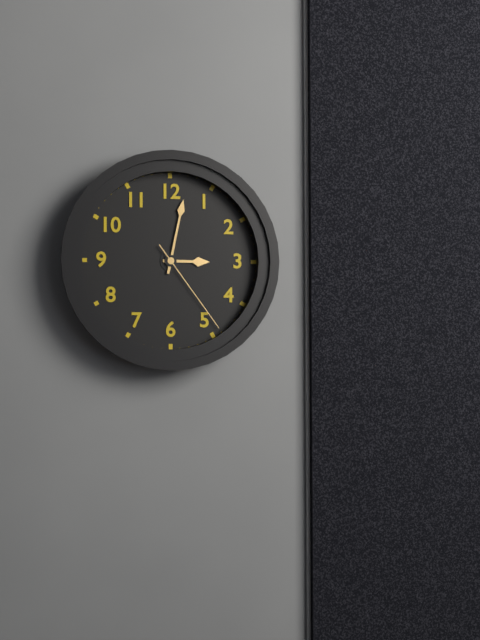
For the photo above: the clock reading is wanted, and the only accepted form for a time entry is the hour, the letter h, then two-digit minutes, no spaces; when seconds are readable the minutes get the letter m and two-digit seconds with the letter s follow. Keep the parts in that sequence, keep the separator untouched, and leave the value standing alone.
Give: 3h02m24s
